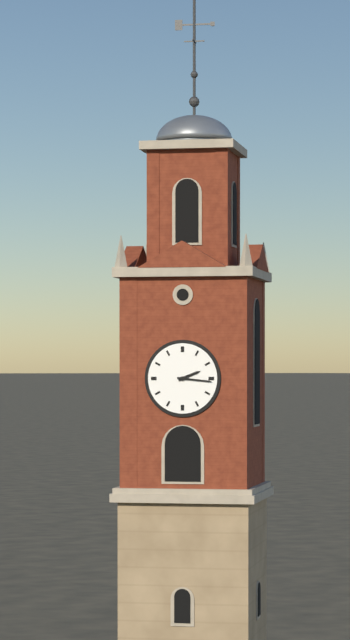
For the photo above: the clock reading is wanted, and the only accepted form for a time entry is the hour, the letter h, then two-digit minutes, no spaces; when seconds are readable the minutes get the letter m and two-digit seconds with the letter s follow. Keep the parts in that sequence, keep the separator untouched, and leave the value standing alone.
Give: 2h16
